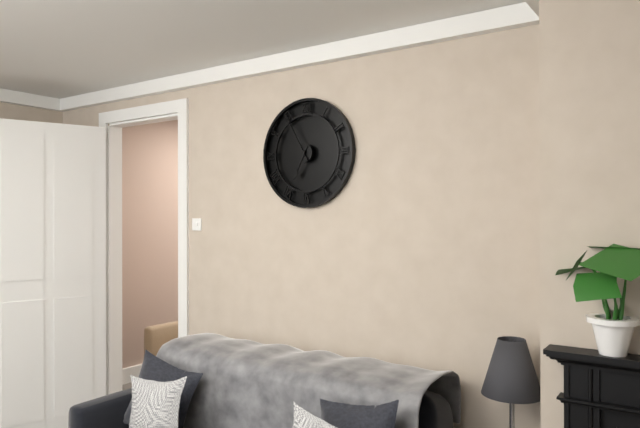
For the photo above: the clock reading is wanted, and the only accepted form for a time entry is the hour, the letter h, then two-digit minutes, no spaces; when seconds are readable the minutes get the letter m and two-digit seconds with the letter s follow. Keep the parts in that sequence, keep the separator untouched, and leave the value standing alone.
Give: 6h55
